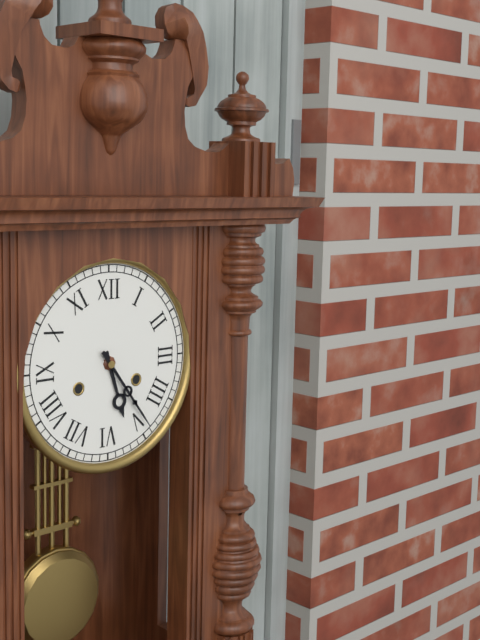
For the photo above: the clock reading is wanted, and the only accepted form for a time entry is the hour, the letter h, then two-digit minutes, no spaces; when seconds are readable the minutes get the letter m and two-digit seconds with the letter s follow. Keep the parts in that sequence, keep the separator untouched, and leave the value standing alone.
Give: 5h24
